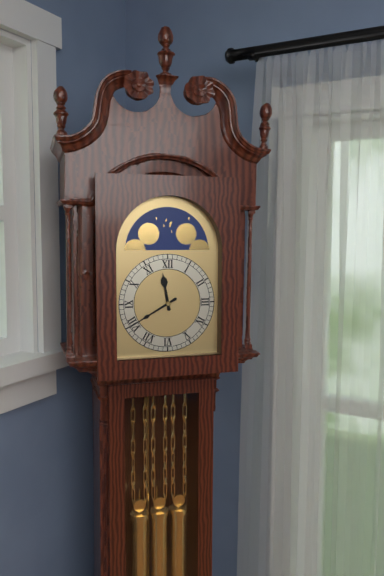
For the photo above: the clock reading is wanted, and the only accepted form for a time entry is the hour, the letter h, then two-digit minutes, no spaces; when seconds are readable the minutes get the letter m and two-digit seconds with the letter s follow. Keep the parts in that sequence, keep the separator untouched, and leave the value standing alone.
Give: 11h40
